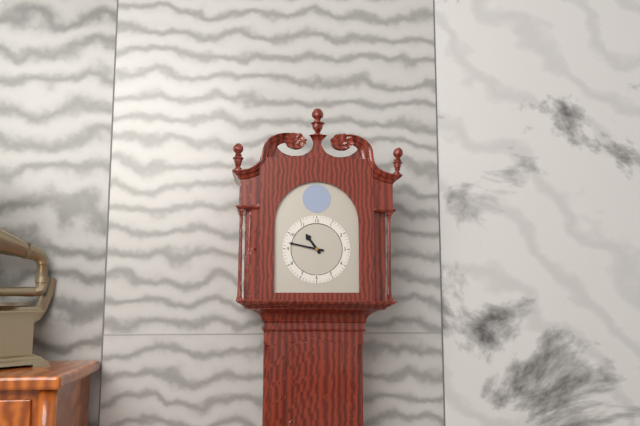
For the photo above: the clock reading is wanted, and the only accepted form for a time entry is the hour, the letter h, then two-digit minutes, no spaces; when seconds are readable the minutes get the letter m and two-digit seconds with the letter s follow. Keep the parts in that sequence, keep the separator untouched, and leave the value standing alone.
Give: 10h47
